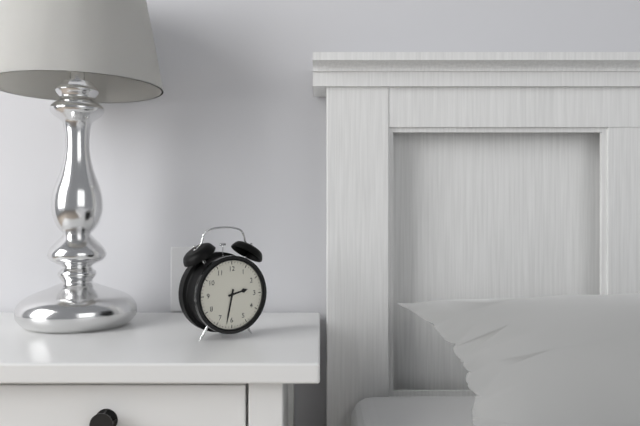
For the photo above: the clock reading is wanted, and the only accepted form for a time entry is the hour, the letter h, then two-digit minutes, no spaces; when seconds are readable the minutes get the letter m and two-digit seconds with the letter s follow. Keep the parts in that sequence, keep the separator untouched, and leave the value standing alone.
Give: 2h32
